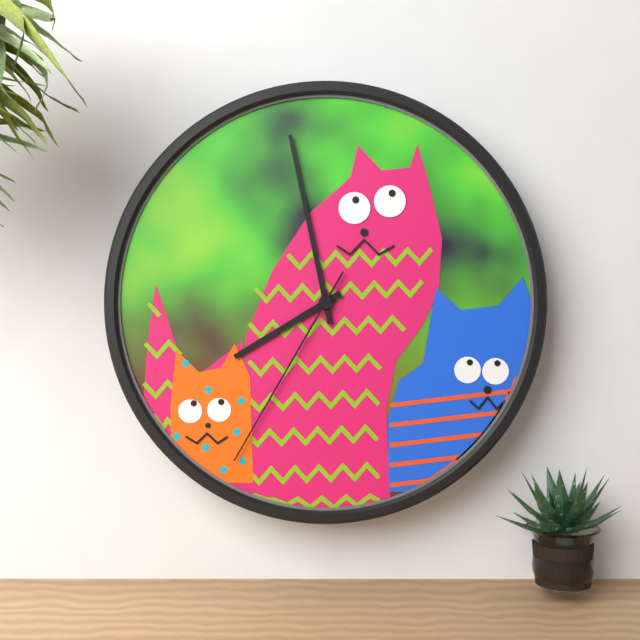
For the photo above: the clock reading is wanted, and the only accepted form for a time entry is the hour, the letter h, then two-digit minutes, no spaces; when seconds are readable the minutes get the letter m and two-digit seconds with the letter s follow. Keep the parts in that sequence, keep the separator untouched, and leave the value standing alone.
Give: 7h58m35s
